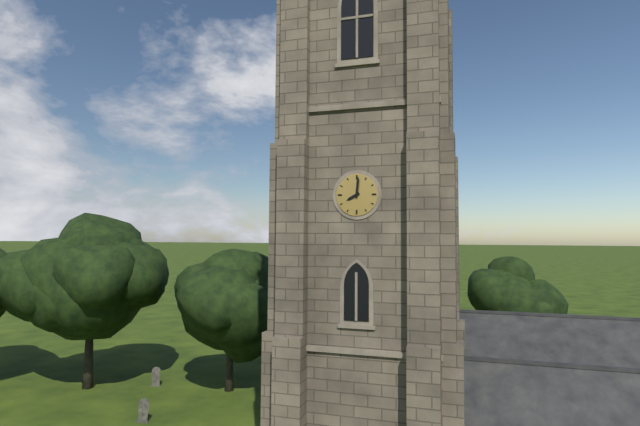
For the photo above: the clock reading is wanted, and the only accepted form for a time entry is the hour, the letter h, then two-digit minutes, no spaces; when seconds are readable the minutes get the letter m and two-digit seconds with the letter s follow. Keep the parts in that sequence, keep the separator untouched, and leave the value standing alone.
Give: 8h01
